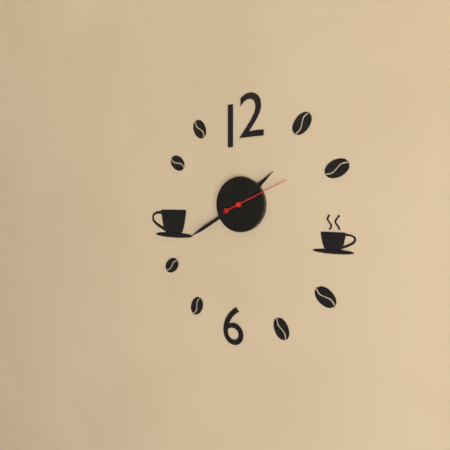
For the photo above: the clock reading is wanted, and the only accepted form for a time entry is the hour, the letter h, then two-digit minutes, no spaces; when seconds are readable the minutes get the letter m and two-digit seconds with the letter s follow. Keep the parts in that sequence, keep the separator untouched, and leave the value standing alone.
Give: 1h40m11s
